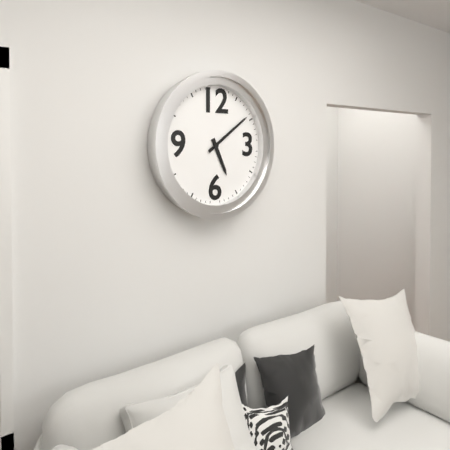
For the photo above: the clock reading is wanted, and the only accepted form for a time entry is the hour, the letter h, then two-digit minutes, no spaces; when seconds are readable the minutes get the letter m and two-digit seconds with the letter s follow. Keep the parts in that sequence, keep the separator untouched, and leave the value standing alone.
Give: 5h09
